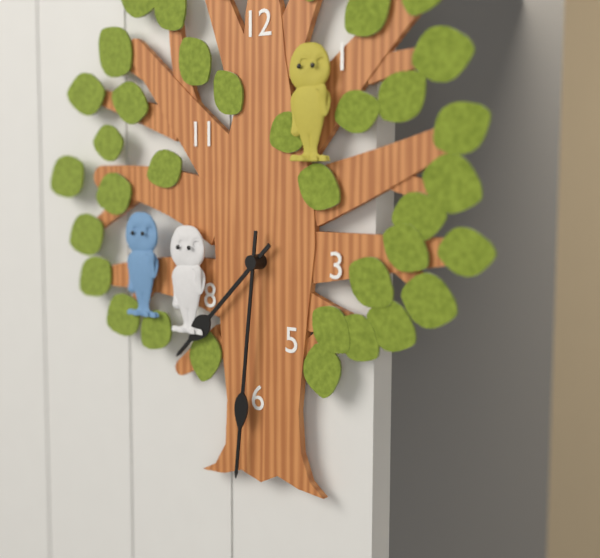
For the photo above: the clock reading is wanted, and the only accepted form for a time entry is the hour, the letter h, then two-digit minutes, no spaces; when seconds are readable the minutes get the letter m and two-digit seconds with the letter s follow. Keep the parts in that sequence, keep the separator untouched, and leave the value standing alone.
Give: 7h31
